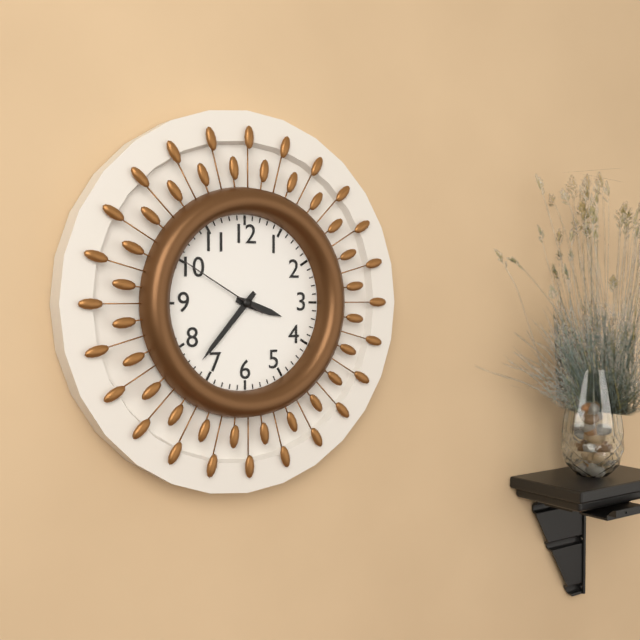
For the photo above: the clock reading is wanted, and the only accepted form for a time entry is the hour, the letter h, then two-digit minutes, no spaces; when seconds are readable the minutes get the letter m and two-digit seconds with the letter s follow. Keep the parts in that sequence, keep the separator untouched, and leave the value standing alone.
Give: 3h37m50s
